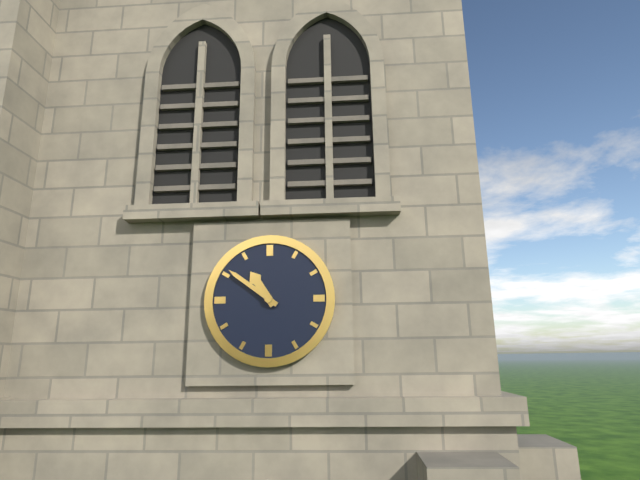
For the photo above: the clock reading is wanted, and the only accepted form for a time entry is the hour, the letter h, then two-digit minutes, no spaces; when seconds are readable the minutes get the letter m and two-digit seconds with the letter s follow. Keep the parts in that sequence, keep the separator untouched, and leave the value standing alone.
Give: 10h51
